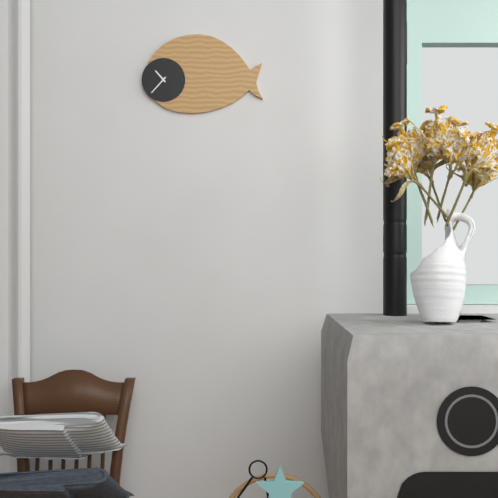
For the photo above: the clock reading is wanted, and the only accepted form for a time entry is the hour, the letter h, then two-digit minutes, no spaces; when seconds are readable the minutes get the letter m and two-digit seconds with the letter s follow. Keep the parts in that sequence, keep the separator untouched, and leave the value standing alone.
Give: 10h37
